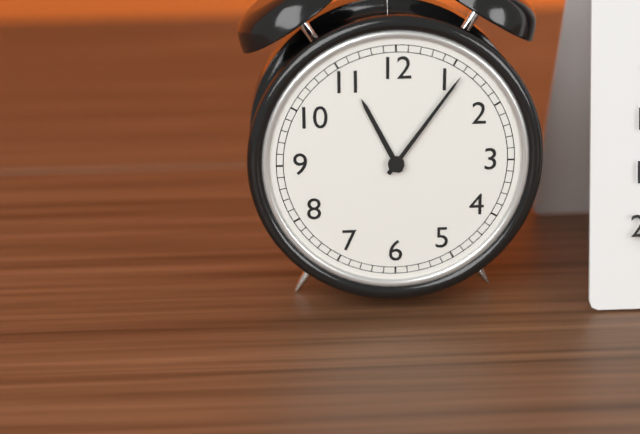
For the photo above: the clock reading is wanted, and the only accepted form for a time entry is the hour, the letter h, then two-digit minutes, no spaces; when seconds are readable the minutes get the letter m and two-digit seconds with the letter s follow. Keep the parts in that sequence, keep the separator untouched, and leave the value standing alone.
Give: 11h06
